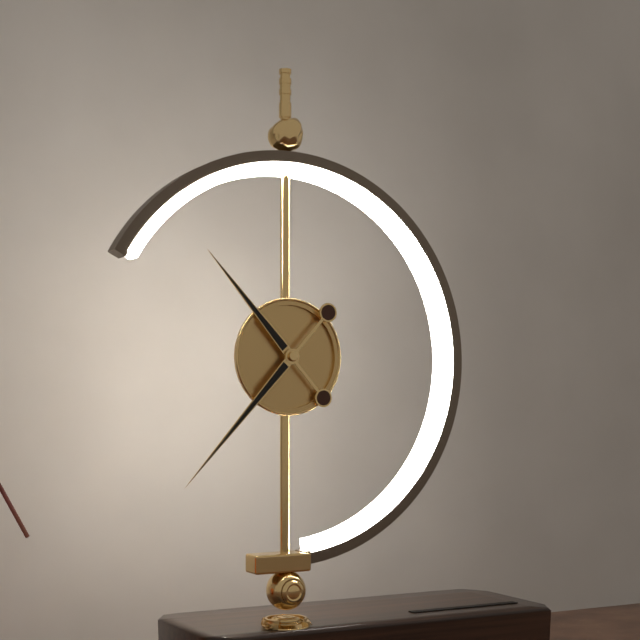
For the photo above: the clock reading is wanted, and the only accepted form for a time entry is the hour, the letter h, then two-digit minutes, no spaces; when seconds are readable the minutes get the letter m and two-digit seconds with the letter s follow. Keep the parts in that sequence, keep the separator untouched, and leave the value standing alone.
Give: 10h37
